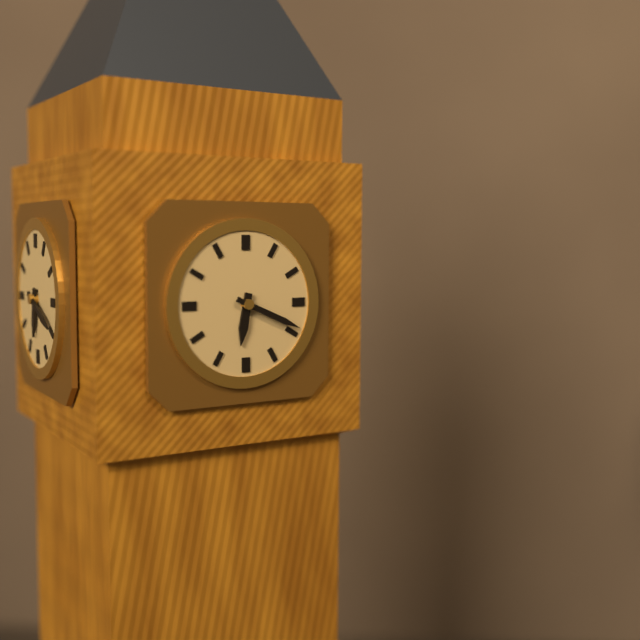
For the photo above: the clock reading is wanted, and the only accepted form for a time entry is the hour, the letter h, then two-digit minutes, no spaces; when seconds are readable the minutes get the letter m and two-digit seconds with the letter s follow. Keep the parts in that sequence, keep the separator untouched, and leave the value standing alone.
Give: 6h19
